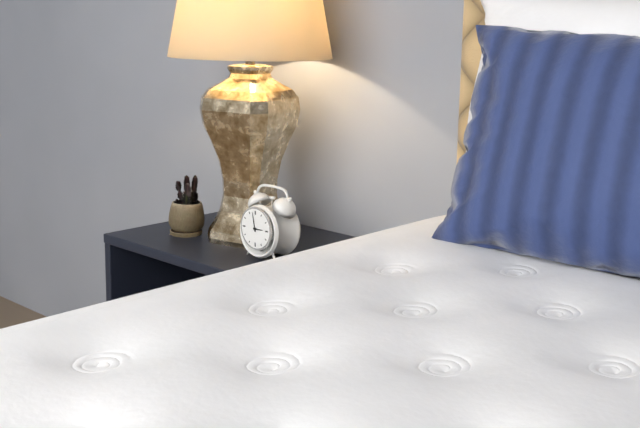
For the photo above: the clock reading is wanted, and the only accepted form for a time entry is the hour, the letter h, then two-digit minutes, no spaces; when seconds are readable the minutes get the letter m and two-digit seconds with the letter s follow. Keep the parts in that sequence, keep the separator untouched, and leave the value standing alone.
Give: 2h58
